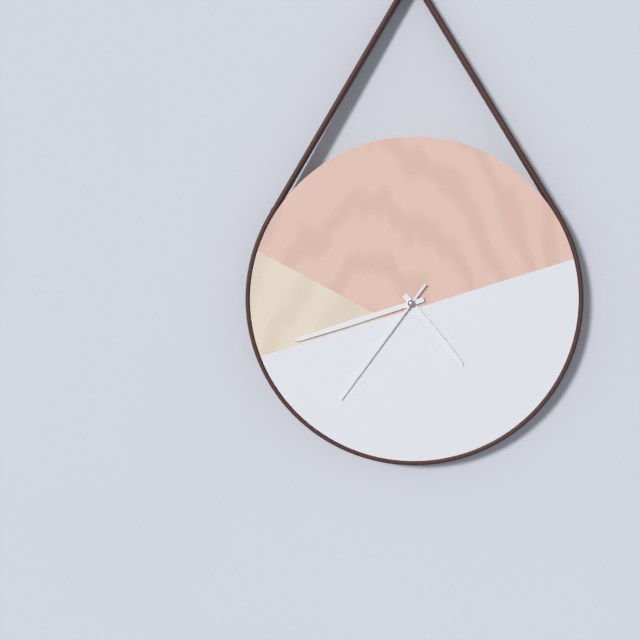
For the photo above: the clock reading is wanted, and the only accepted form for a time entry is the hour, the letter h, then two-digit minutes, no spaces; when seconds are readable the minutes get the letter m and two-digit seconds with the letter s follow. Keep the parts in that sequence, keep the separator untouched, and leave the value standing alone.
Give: 4h42m36s
